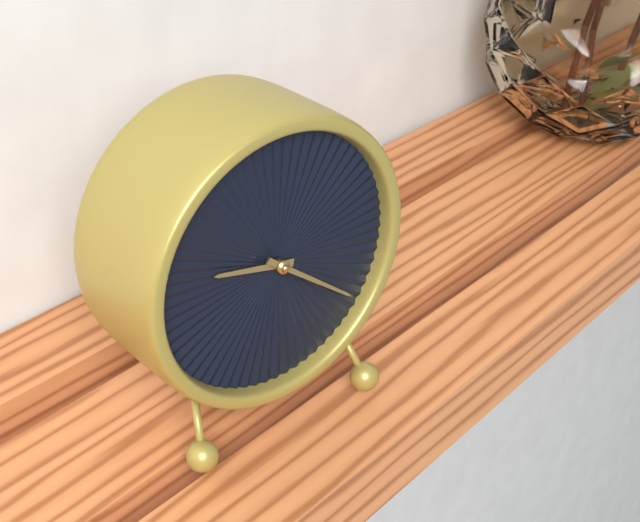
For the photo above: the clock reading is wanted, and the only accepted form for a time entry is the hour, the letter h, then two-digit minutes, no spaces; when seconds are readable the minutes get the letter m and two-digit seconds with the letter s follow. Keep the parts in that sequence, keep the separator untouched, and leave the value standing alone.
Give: 9h21
